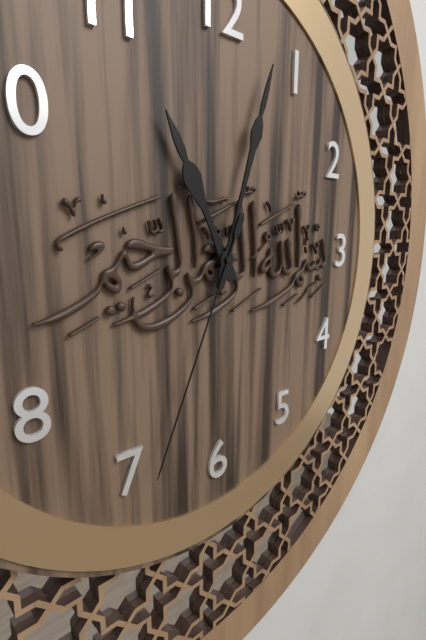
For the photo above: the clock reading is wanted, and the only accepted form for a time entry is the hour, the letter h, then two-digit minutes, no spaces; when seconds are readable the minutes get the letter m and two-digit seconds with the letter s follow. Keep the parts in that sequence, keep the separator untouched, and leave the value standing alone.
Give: 11h03m34s
